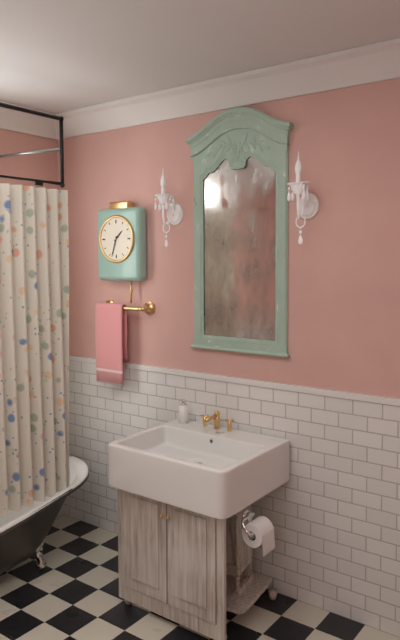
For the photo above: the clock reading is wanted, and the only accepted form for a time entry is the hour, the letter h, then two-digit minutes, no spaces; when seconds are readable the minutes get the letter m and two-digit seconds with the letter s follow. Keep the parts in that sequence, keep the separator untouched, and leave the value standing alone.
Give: 1h33
